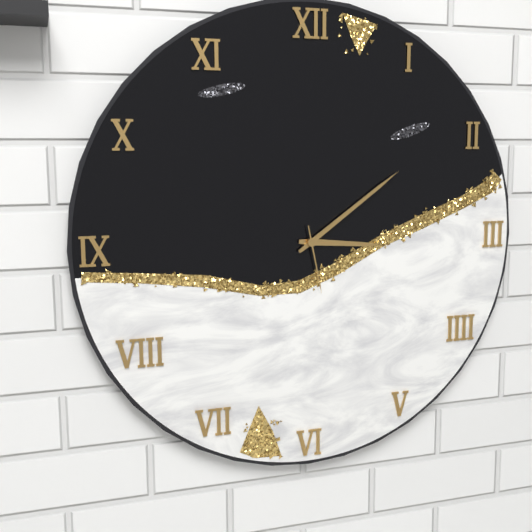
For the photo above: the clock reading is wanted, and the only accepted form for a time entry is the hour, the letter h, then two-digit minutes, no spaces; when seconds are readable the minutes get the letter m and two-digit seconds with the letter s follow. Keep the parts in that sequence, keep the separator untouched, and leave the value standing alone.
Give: 3h09m28s
